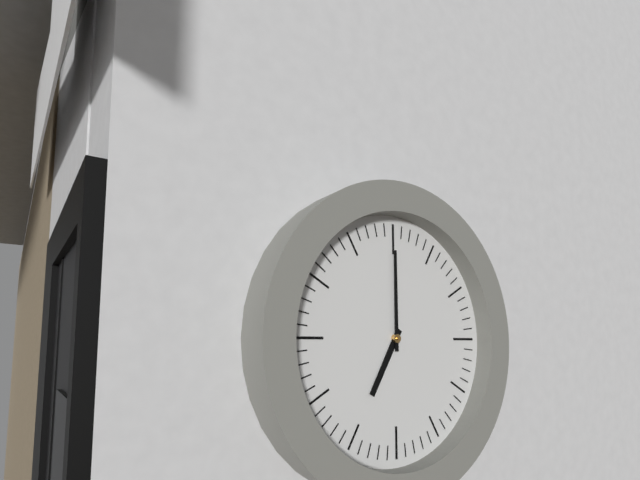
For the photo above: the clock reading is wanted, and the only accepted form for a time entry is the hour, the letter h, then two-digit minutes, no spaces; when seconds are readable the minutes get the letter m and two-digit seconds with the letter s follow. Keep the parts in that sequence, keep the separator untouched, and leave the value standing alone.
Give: 7h00
